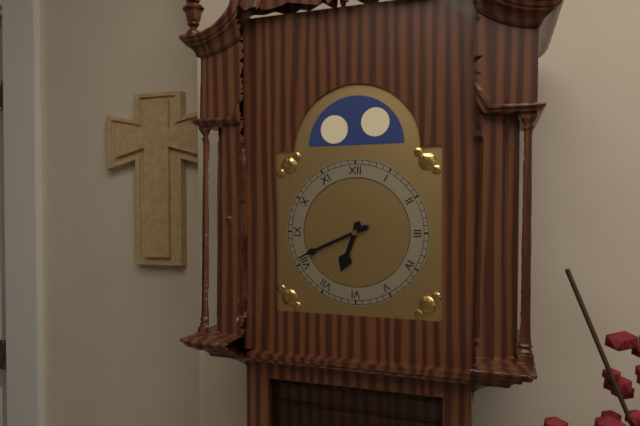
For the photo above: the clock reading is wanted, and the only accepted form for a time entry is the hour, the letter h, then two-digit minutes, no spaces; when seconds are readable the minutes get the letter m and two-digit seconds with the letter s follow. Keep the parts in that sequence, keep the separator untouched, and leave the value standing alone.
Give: 6h41
